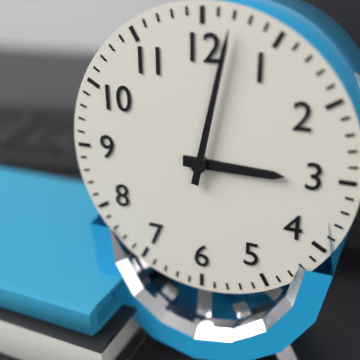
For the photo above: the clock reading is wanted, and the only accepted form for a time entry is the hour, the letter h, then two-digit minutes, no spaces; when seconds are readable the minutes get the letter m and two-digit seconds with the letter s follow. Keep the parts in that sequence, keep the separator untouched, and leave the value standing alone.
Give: 3h02
